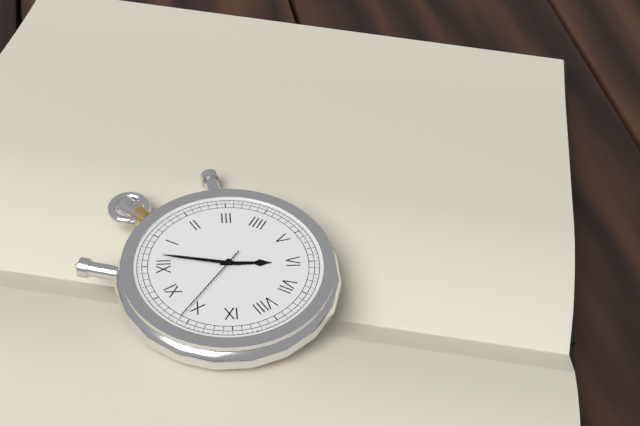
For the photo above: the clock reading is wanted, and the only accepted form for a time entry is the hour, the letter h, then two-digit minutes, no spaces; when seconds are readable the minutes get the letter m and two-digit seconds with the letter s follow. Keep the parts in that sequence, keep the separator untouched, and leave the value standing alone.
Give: 6h02m51s
